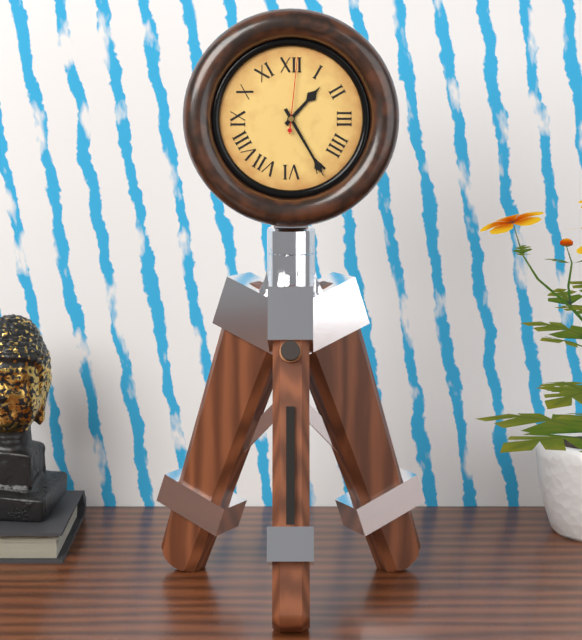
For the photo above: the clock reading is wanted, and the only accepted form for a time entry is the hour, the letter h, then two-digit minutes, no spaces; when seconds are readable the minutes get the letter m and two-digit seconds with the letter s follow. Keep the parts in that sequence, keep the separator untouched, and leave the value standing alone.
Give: 1h25m01s
